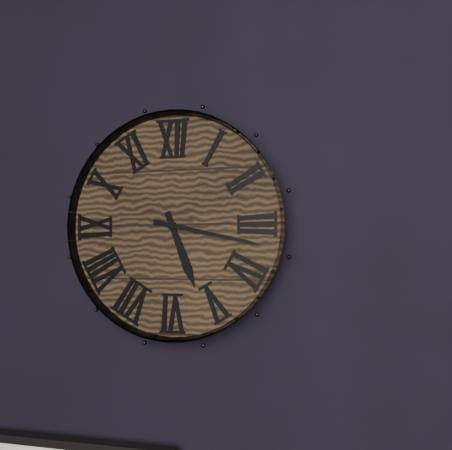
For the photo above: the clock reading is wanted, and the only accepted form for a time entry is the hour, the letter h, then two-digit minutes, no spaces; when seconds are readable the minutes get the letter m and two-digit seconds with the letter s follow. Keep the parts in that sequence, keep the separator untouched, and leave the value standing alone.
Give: 5h17
